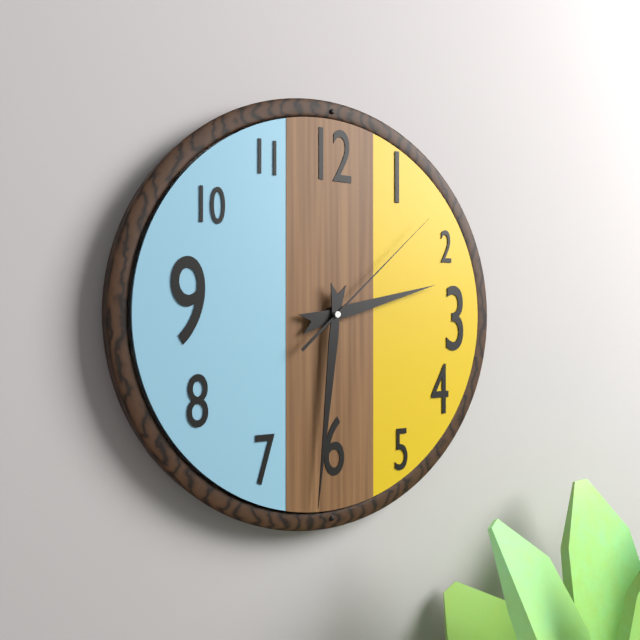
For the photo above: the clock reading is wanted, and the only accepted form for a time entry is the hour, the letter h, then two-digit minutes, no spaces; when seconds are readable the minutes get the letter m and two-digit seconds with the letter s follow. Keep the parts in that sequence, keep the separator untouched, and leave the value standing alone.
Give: 2h31m08s
